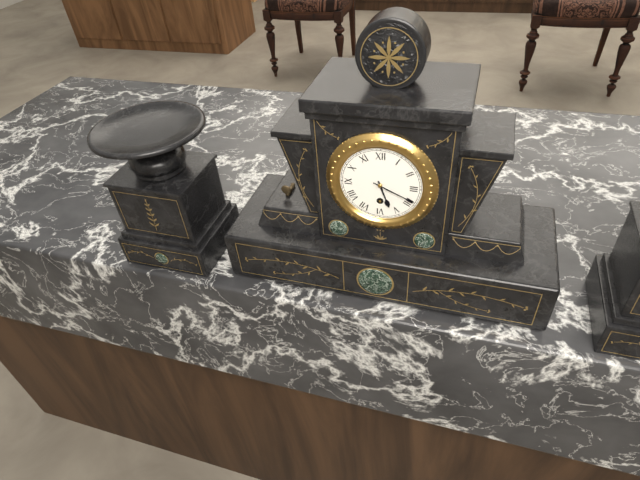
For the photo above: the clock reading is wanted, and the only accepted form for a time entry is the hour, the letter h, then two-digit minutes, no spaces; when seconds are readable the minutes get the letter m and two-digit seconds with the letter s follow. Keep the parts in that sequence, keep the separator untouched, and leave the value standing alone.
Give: 5h19
